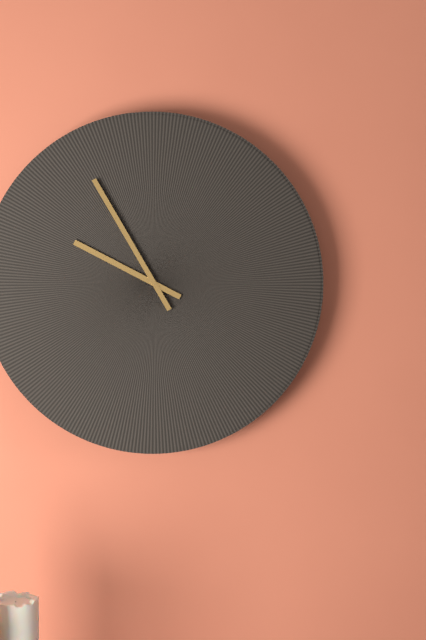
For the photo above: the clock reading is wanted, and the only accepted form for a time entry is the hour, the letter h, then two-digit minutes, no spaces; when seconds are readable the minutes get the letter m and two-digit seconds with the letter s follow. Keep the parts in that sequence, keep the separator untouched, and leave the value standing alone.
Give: 9h55
